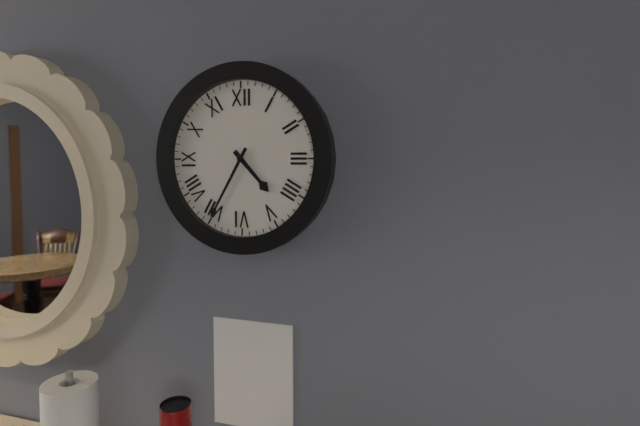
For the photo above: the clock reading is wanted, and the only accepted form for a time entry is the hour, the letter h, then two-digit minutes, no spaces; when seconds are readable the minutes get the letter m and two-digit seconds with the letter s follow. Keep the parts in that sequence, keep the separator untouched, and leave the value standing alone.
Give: 4h35
